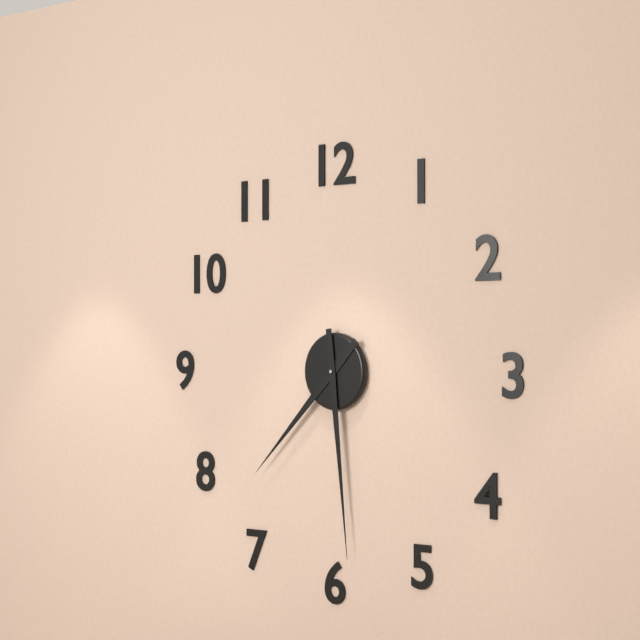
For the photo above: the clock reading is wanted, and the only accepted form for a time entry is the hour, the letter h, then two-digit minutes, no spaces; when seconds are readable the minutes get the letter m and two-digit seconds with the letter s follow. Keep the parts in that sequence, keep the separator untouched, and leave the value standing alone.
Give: 7h29
